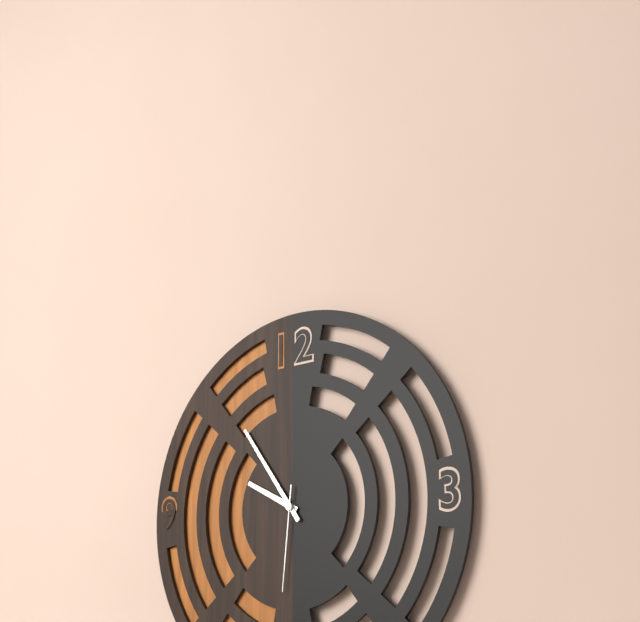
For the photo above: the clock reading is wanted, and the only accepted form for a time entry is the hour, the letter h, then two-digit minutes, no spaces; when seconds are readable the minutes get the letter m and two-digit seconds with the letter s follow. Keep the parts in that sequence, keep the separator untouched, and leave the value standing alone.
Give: 9h54m31s
